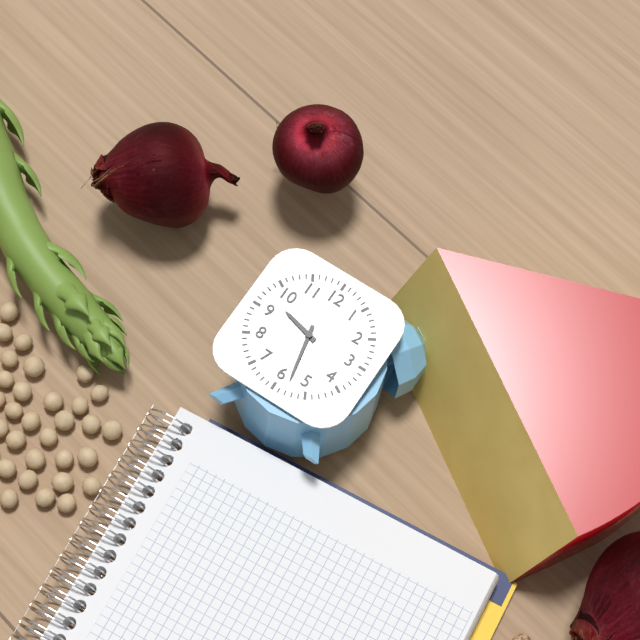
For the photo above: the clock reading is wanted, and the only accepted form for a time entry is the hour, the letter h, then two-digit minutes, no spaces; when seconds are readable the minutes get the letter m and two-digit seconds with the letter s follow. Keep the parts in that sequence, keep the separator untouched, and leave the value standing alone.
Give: 9h28
